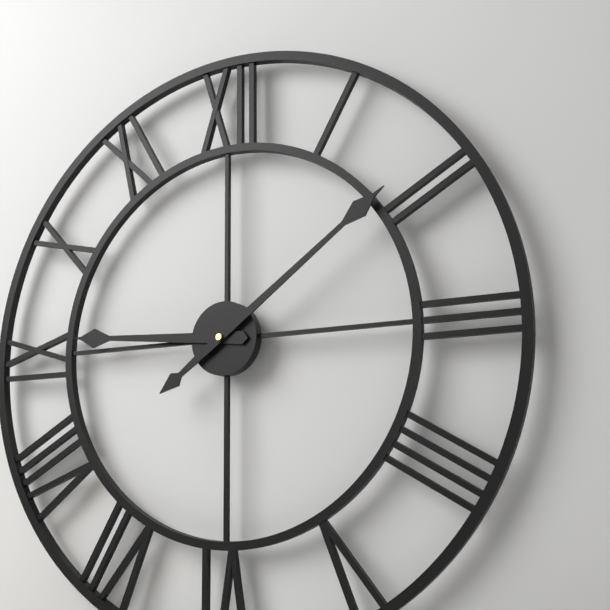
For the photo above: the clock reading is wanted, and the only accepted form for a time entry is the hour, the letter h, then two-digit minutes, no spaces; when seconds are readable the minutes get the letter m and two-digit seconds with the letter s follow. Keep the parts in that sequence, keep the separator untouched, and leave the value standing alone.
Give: 9h09
